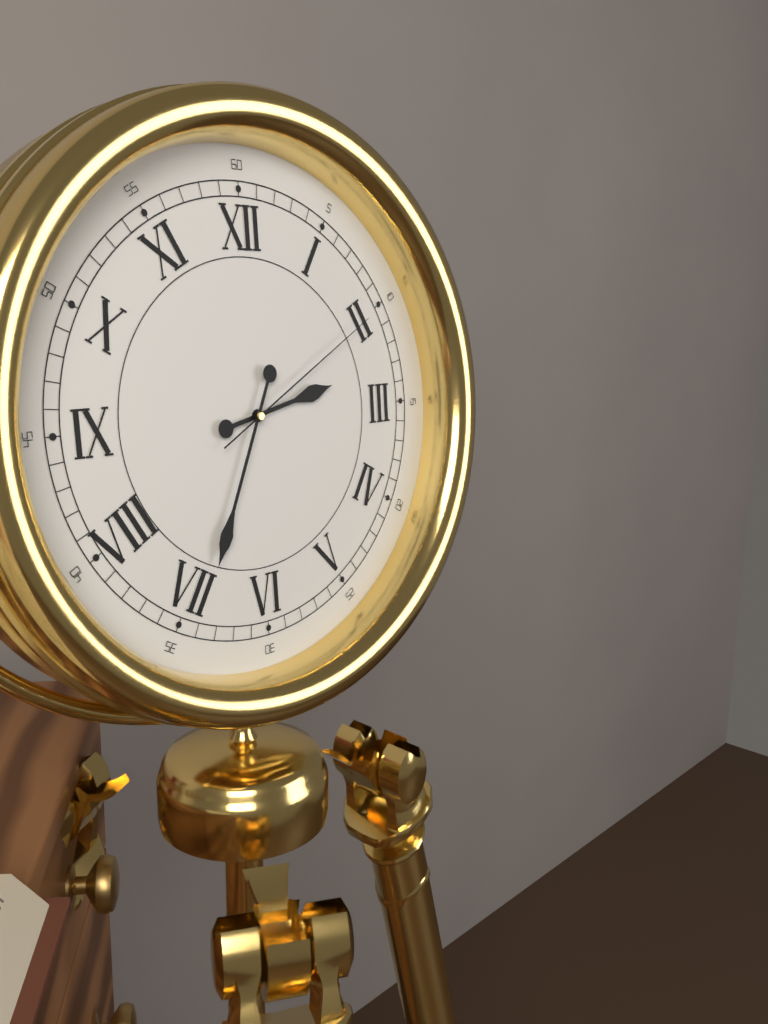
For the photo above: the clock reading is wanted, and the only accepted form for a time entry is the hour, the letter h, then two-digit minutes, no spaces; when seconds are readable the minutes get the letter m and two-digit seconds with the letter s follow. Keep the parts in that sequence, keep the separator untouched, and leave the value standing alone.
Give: 2h34m10s
